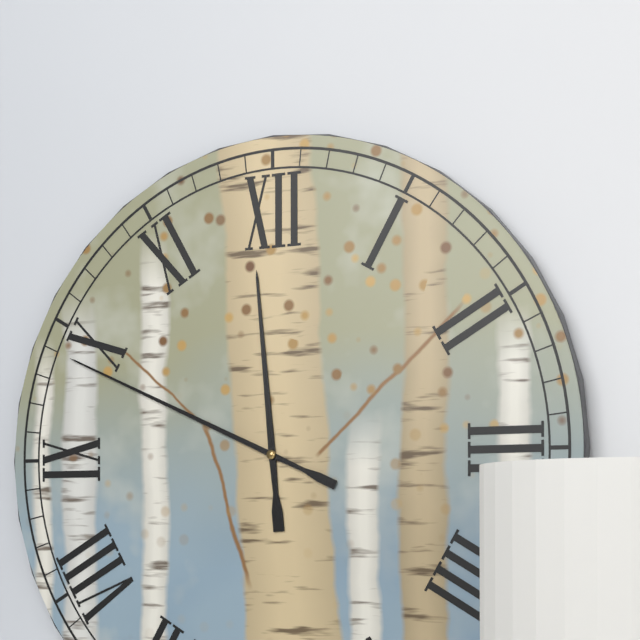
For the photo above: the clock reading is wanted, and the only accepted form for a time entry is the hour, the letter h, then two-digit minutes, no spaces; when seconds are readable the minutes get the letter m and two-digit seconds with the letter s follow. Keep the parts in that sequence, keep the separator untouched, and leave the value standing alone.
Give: 11h49
